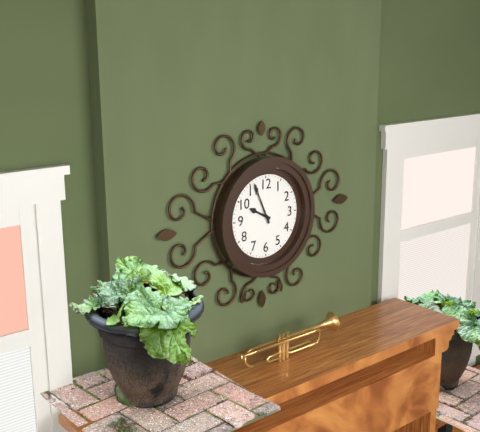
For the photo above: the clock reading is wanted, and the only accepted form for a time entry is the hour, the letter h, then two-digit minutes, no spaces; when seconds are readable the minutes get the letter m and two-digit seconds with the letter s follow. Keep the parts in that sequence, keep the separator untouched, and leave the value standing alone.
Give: 9h56
